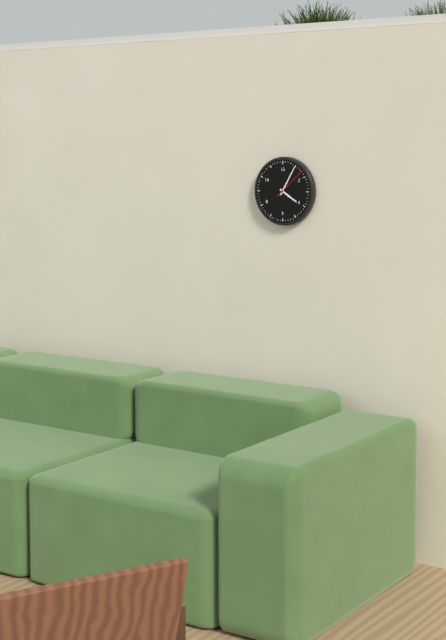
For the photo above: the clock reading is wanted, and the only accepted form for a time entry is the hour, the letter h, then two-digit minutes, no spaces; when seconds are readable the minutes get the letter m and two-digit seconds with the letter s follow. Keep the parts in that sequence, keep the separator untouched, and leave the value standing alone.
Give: 4h05
